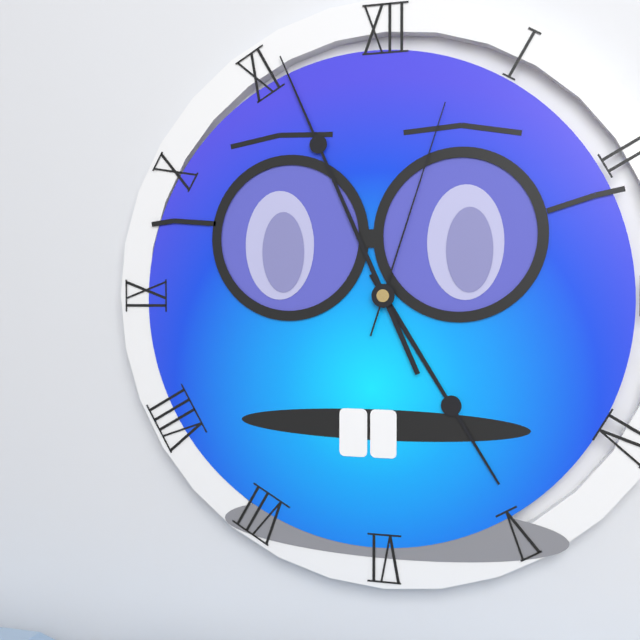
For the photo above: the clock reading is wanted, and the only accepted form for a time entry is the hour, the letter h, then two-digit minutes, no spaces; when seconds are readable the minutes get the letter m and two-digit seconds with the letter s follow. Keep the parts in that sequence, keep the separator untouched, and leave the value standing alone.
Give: 4h56m03s
